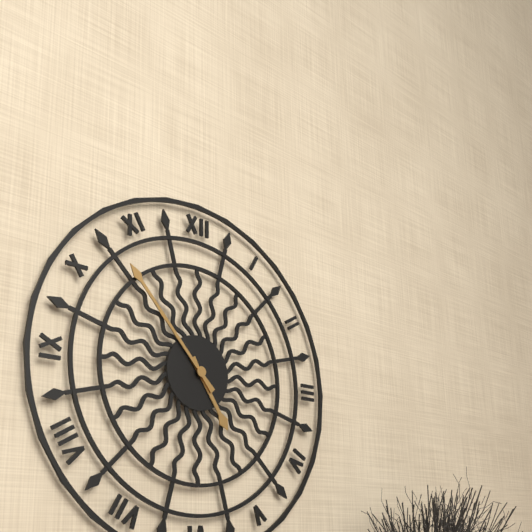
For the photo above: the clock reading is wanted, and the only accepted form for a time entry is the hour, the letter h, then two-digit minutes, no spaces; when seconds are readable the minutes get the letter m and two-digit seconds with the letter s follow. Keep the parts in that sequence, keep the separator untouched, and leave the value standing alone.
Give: 4h53
